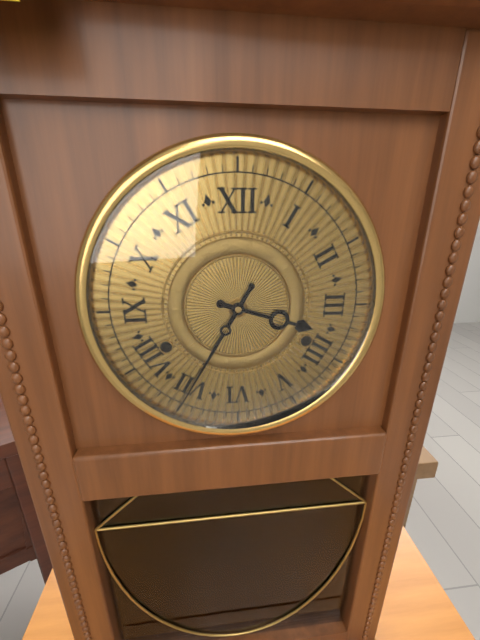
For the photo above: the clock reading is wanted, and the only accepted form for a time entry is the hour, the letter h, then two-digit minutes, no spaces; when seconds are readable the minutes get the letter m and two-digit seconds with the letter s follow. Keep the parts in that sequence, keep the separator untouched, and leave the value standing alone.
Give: 3h35
